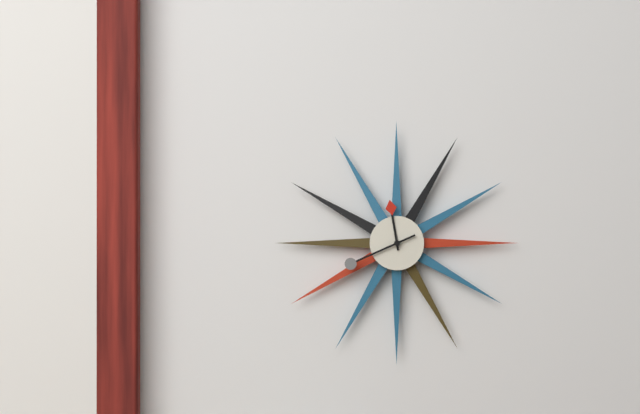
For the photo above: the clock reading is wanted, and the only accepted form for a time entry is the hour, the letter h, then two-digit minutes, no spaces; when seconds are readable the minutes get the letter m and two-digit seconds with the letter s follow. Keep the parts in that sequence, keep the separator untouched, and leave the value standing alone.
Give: 11h41
